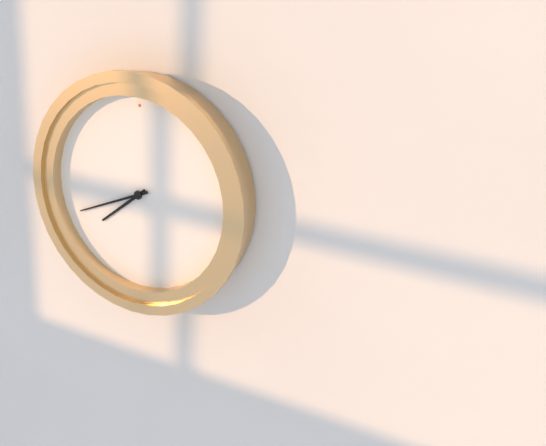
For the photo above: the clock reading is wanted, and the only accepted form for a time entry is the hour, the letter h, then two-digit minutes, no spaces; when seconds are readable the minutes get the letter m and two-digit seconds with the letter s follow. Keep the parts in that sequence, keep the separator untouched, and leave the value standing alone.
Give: 7h41
